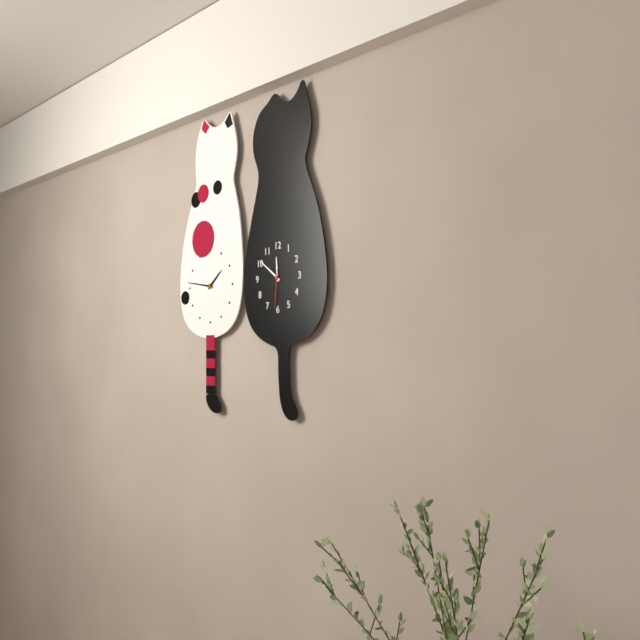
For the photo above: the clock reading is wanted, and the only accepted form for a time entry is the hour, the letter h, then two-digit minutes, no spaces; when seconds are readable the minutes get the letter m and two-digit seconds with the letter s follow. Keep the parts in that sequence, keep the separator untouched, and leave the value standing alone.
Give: 11h51
